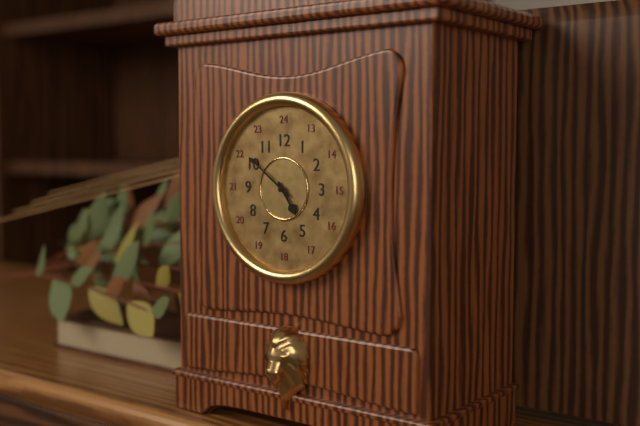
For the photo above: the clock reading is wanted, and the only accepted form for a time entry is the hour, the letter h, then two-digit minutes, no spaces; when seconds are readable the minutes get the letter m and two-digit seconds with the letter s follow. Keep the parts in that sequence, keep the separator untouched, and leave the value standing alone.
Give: 4h51
